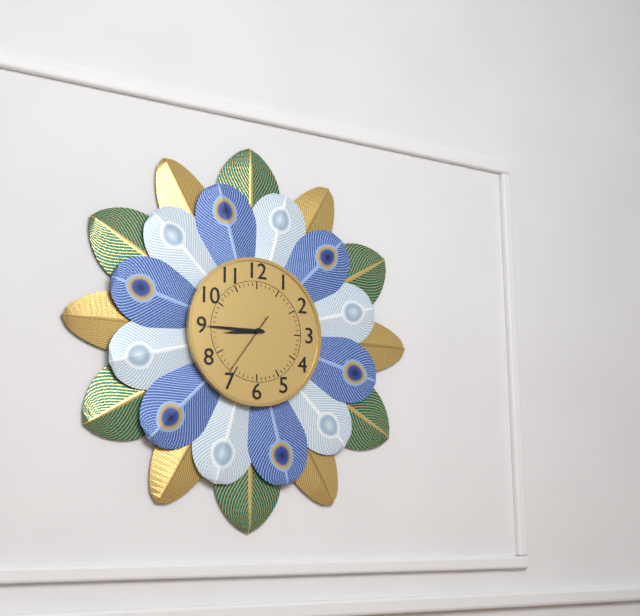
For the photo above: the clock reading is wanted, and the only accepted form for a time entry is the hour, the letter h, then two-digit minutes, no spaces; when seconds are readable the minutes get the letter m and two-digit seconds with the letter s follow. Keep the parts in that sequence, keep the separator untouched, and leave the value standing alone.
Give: 8h45m36s
